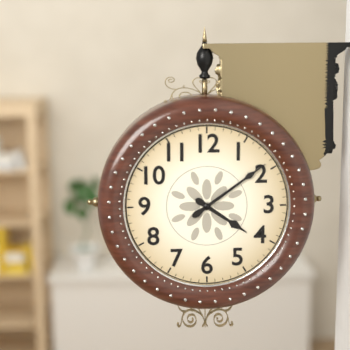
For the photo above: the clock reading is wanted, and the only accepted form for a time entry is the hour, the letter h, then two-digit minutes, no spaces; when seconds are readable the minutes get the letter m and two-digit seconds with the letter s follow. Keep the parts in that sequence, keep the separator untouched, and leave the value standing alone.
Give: 4h09
